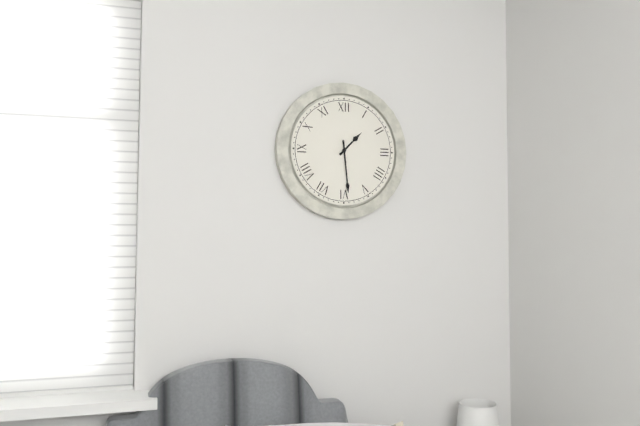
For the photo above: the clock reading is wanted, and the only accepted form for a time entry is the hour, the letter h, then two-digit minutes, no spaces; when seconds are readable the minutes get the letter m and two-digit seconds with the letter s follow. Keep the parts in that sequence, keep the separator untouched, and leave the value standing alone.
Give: 1h29
